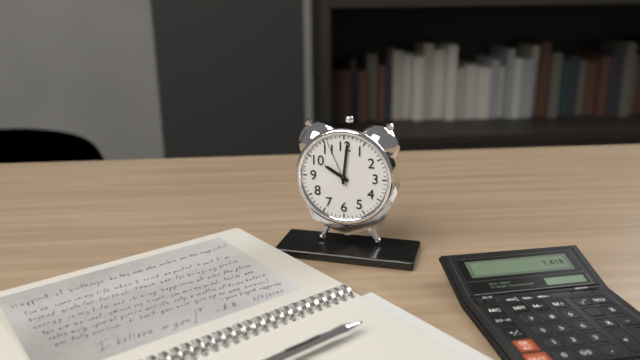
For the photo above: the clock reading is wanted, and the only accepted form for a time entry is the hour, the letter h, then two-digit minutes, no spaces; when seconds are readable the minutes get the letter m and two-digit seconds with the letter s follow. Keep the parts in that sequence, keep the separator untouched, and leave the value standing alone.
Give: 10h01
